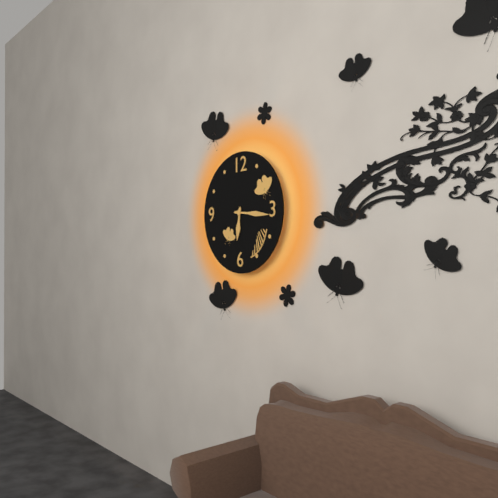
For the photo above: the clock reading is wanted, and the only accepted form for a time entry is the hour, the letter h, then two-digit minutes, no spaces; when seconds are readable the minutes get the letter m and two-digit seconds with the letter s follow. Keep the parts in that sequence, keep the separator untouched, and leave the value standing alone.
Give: 6h16
